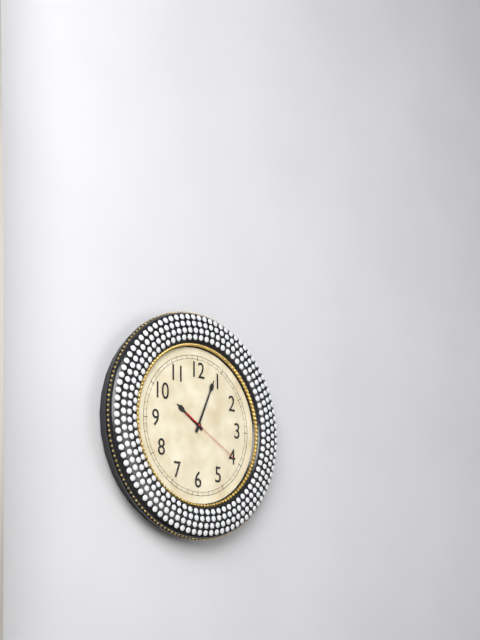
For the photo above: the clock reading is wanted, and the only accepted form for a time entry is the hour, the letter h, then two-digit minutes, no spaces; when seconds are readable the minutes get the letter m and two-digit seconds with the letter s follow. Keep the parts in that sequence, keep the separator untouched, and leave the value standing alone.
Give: 10h04m20s
